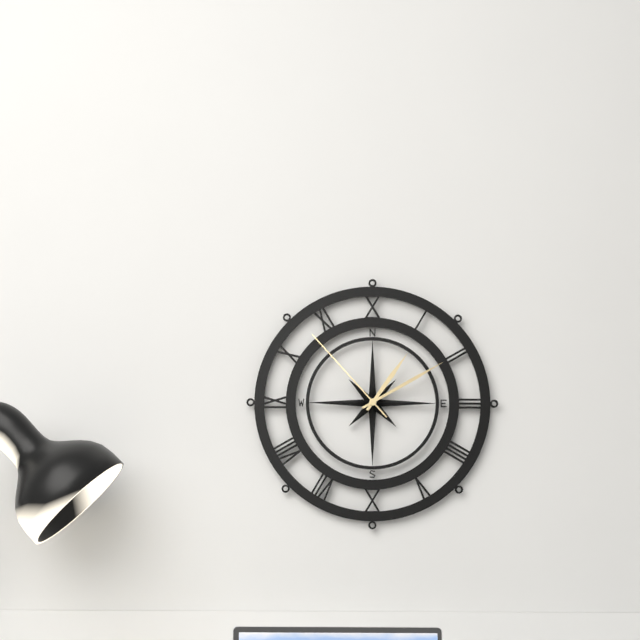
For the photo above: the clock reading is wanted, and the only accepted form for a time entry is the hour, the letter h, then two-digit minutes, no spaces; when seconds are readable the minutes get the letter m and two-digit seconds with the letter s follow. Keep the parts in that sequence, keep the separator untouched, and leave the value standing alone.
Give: 1h10m53s
